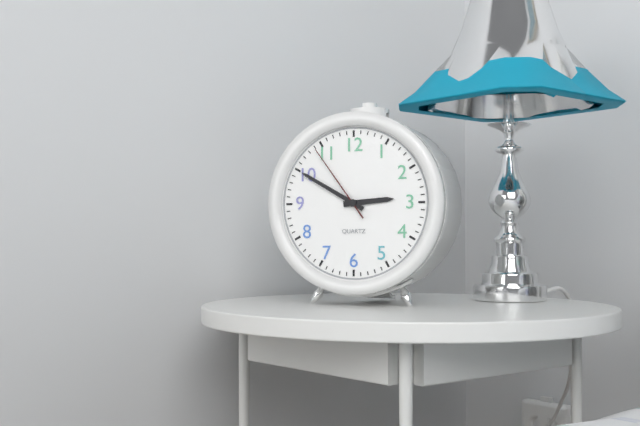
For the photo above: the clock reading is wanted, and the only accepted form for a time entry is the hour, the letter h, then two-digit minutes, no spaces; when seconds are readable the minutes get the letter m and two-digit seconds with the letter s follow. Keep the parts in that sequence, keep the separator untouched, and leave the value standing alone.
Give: 2h50m54s
